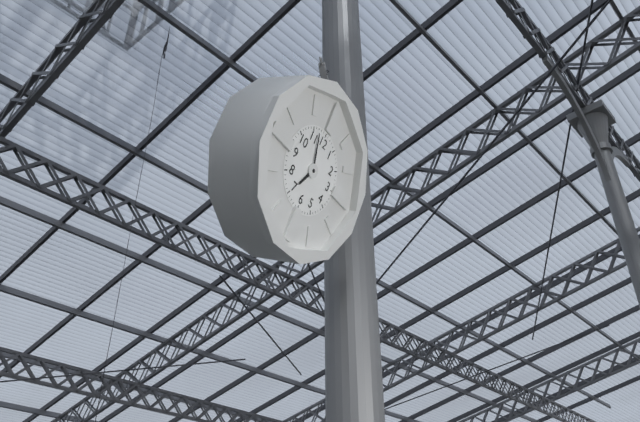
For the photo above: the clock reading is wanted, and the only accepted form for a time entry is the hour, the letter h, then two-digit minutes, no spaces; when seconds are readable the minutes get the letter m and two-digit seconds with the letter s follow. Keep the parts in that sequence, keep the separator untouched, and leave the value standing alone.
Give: 6h57
